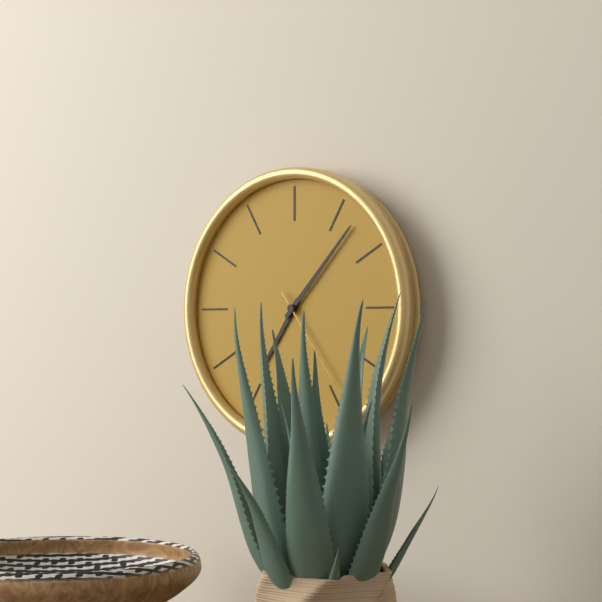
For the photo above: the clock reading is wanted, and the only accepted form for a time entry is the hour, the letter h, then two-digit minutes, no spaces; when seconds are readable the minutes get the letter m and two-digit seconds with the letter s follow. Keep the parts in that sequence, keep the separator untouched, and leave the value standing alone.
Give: 7h07m24s
